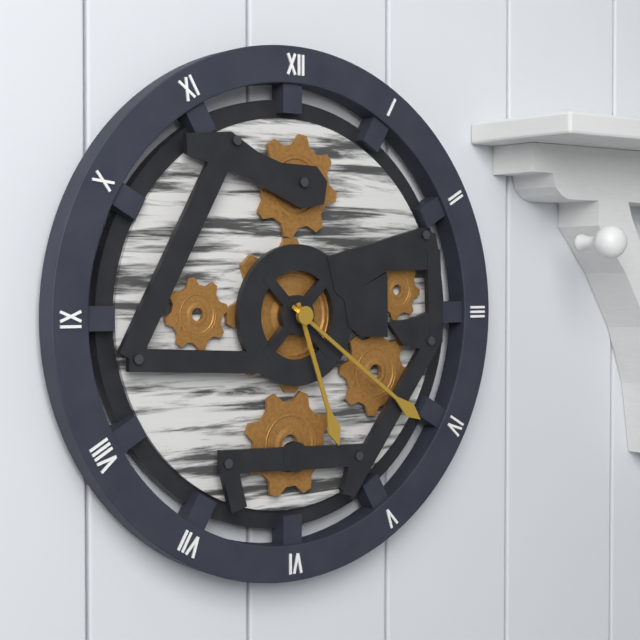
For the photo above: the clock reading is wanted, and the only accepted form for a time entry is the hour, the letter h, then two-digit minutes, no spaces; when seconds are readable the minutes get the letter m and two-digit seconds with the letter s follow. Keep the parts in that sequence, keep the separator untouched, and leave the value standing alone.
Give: 5h21
